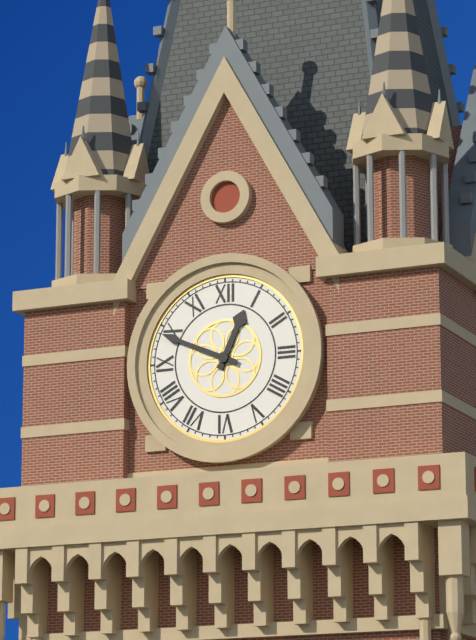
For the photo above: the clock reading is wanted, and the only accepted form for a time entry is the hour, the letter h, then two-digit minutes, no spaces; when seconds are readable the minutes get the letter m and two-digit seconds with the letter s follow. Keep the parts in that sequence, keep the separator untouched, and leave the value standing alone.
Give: 12h49
